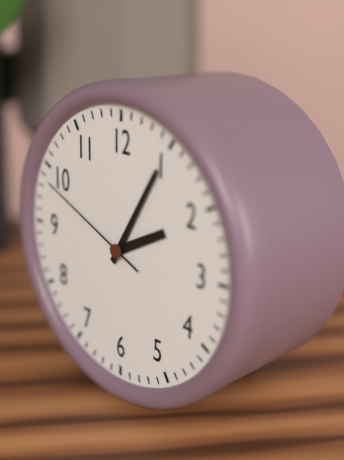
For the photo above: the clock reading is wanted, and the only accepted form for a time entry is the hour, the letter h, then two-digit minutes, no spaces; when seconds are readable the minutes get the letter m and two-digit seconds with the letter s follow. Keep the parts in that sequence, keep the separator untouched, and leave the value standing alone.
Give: 2h05m49s
